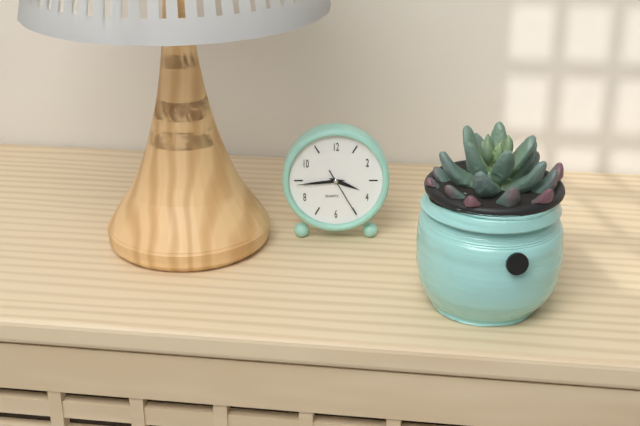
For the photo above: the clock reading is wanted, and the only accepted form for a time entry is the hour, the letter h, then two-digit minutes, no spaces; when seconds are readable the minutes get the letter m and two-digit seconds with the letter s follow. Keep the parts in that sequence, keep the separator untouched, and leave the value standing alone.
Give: 3h44m25s
